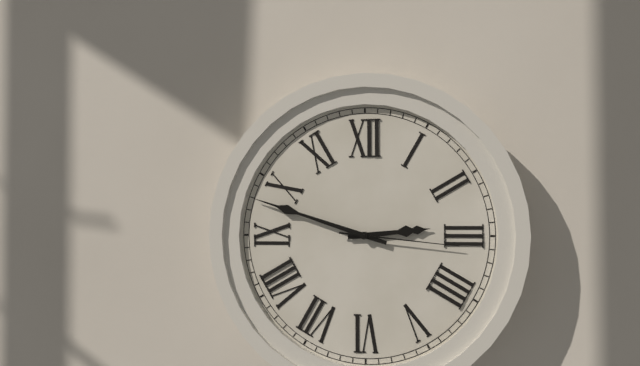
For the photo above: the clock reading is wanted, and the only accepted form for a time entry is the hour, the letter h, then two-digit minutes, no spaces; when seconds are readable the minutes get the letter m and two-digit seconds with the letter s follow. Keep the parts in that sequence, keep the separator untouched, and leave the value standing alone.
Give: 2h48m16s
